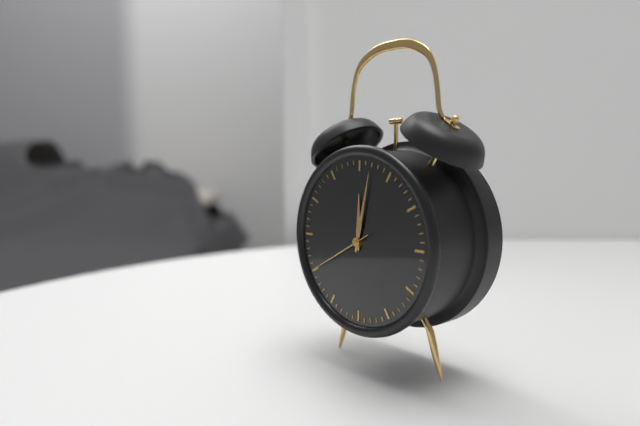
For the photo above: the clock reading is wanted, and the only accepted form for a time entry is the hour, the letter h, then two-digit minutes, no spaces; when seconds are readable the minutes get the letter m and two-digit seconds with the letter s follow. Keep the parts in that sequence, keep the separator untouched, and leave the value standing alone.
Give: 12h02m40s
